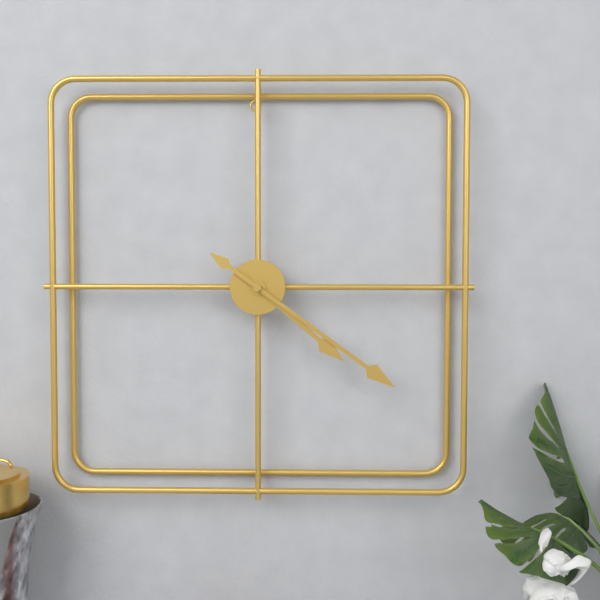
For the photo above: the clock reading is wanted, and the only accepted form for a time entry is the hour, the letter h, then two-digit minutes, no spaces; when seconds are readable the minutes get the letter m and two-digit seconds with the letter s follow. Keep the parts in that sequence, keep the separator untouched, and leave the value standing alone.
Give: 4h21
